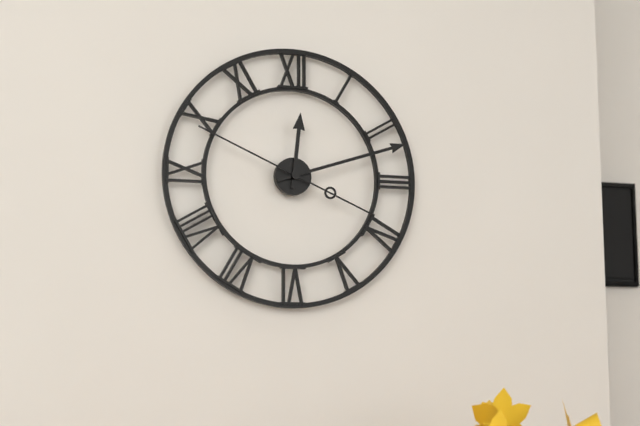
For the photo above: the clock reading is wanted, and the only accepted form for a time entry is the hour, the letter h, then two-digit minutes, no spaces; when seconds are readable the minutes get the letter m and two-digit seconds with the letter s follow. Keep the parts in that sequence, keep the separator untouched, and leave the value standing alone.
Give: 12h12m49s
